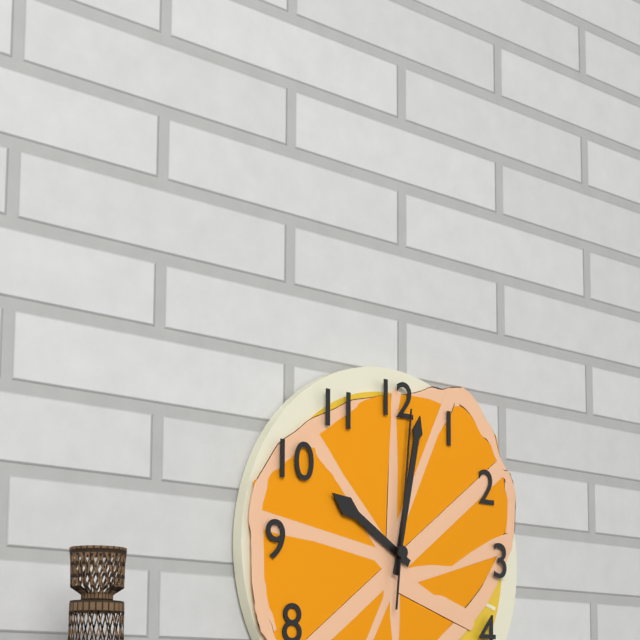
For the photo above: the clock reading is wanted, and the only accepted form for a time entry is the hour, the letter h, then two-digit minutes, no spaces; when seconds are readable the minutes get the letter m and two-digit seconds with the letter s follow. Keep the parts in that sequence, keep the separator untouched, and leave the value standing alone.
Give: 10h02m01s
